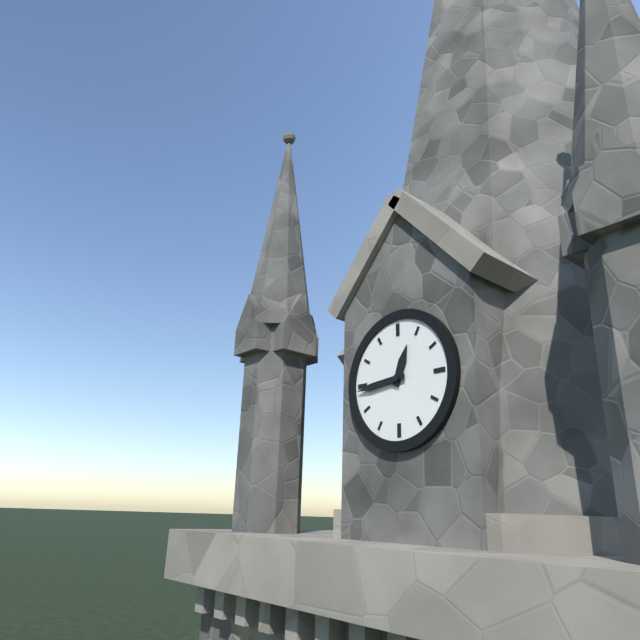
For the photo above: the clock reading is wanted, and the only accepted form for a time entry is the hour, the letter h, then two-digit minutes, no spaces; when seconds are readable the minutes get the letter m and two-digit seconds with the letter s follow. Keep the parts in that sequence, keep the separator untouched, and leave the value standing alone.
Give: 12h44
